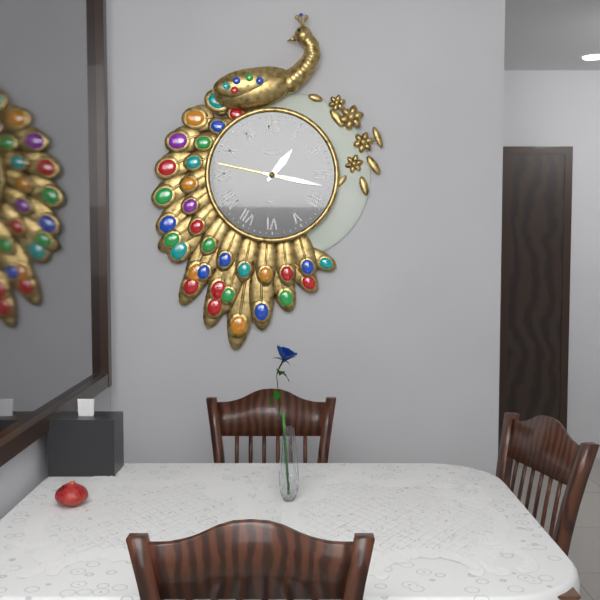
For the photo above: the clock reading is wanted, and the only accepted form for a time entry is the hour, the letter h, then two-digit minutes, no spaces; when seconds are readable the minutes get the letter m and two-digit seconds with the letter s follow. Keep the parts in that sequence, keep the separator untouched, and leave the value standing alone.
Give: 1h17m47s
